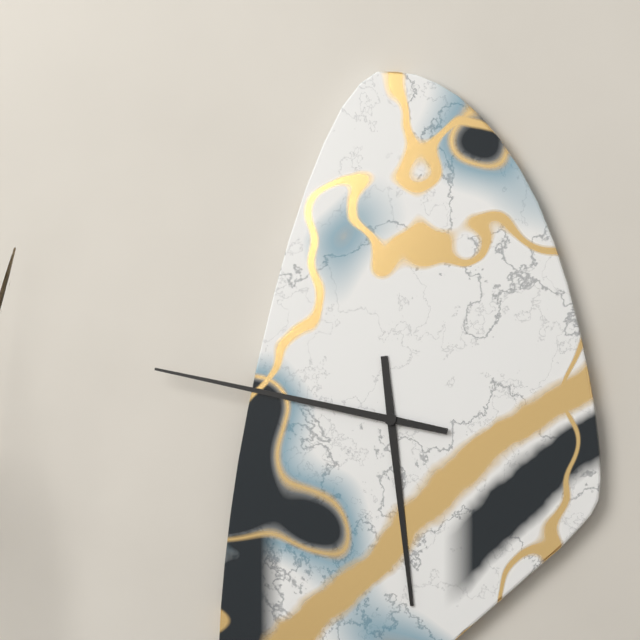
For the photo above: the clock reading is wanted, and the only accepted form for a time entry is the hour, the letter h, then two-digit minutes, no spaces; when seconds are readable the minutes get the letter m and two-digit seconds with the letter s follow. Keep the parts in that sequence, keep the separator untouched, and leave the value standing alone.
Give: 5h47
